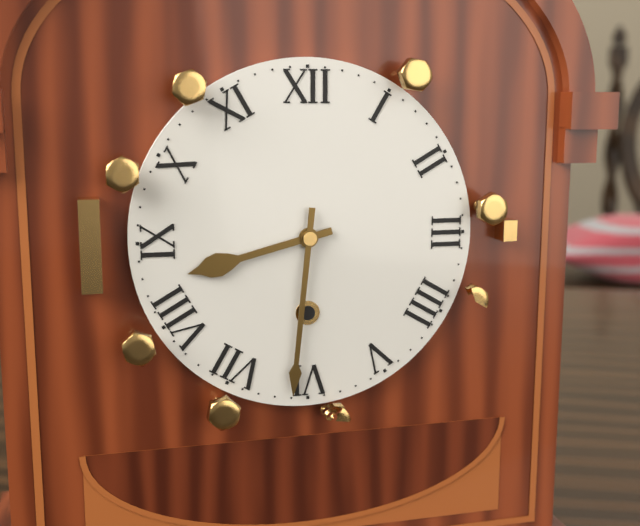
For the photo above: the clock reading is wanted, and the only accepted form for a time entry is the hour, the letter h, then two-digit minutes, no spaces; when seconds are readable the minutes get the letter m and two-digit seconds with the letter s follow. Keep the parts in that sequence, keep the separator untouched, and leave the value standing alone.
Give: 8h31
